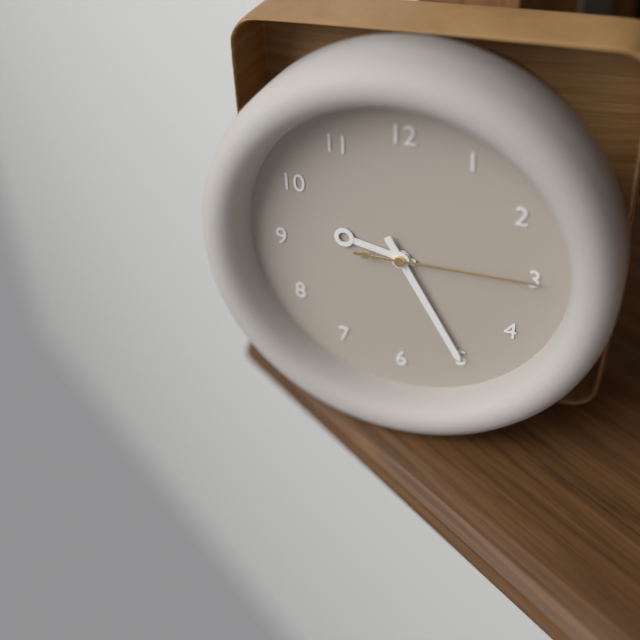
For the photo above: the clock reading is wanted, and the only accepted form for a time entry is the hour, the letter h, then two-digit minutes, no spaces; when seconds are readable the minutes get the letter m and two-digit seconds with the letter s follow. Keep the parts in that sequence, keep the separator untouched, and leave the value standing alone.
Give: 9h25m15s
